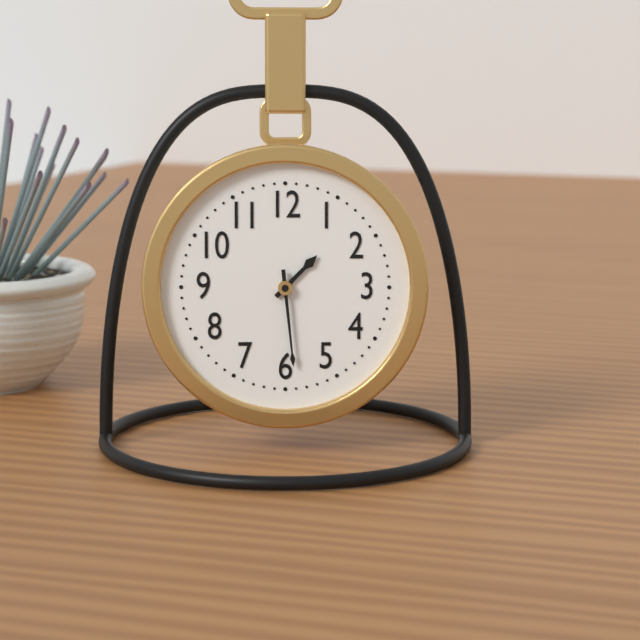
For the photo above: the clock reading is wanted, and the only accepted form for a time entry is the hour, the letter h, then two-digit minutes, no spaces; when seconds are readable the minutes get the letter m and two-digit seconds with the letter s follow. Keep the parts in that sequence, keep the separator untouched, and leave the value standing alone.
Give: 1h29
